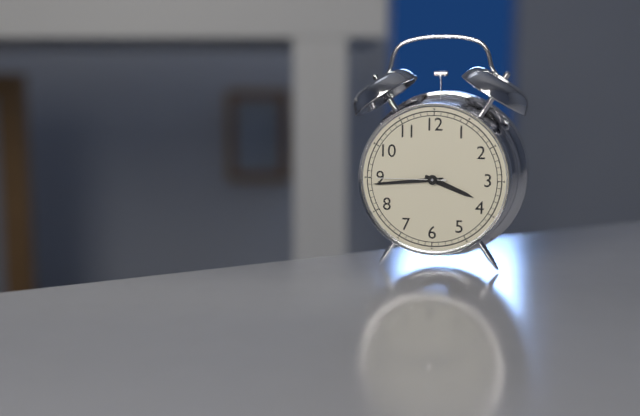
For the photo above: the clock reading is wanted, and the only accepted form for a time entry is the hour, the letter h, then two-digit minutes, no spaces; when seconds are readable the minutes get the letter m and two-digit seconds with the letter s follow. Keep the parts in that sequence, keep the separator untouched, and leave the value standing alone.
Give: 3h44m45s
